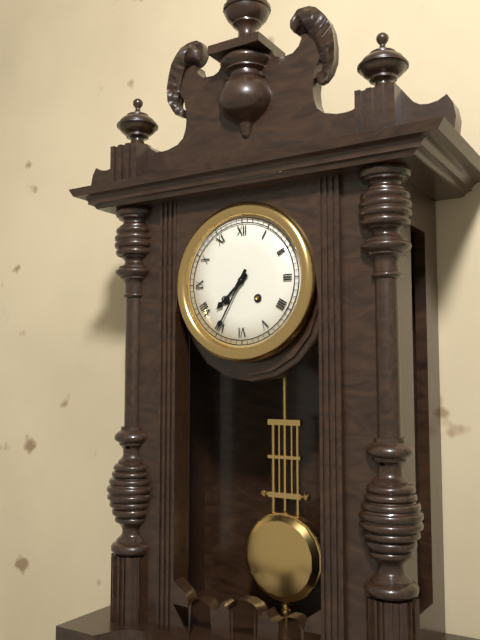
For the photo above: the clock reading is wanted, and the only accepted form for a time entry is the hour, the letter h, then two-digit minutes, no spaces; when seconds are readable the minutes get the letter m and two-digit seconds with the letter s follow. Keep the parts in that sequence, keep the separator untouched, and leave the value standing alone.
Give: 7h35
